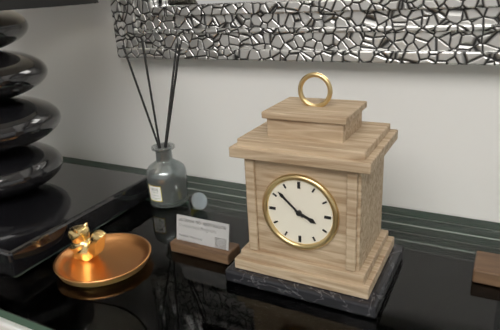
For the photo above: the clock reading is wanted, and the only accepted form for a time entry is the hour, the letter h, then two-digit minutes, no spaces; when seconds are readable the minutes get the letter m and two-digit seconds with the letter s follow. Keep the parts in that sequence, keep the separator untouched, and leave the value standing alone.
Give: 3h52
